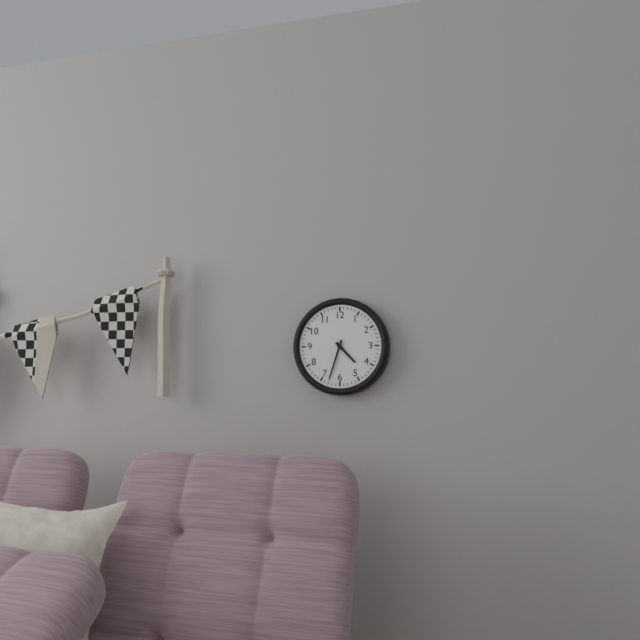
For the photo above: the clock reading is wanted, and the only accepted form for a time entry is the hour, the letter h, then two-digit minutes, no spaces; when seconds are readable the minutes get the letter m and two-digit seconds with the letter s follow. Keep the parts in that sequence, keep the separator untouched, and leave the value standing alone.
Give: 4h33
